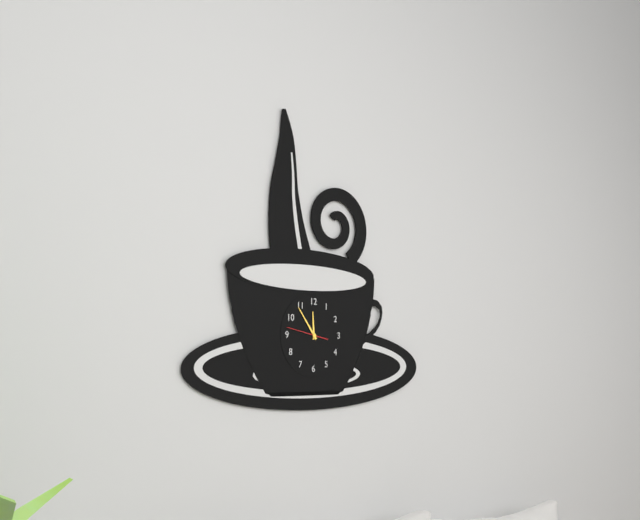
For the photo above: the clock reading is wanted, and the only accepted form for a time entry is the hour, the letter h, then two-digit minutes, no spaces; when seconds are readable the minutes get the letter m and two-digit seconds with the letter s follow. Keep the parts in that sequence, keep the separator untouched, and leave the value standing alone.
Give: 11h54
